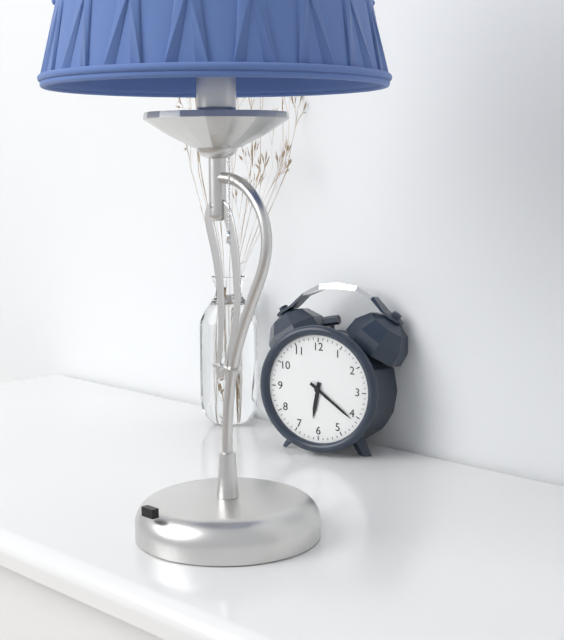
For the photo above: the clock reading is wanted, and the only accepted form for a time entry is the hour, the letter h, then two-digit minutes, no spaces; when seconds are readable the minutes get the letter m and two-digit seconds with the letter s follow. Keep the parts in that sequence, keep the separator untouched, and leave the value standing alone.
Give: 6h21
